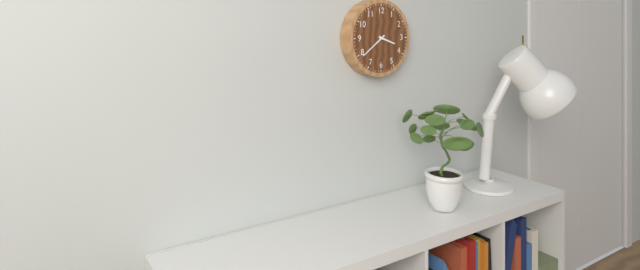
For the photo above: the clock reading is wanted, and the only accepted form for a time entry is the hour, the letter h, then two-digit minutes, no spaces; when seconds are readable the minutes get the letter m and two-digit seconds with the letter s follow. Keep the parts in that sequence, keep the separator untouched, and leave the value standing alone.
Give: 3h39
